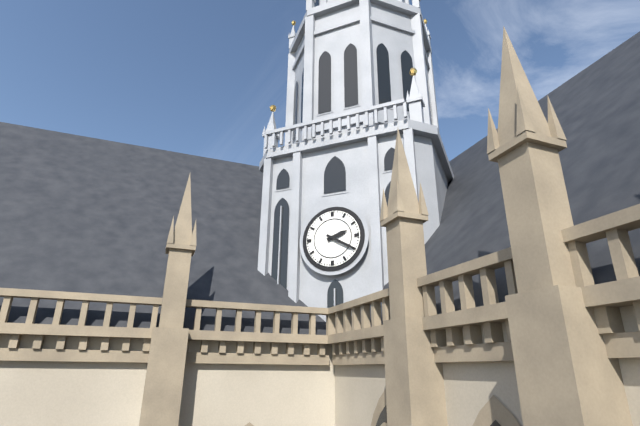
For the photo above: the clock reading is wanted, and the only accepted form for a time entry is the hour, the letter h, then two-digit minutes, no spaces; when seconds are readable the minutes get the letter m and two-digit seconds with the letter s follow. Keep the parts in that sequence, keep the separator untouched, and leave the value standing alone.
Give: 2h20
